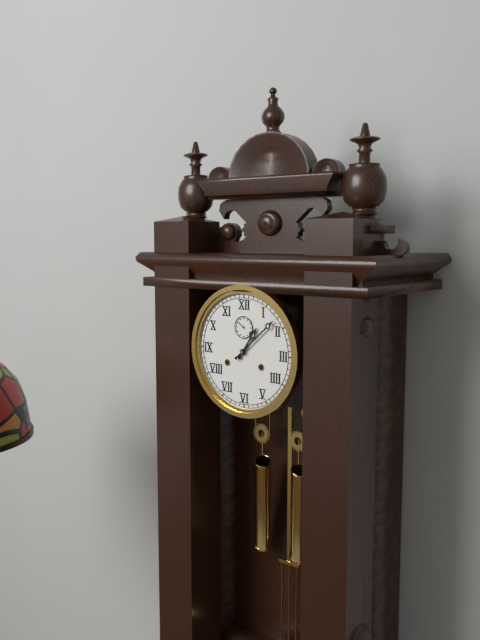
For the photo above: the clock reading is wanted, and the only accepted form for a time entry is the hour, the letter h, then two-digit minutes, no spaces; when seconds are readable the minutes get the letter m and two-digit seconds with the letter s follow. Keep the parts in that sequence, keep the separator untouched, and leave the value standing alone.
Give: 1h08
